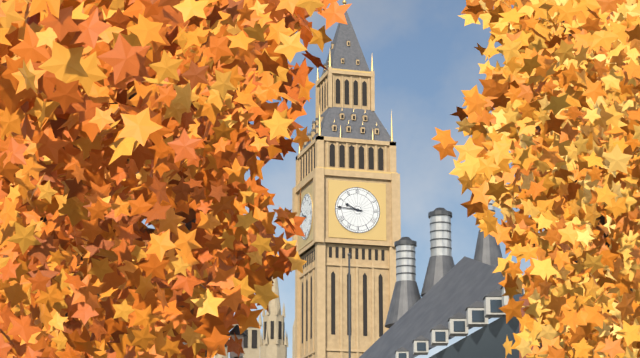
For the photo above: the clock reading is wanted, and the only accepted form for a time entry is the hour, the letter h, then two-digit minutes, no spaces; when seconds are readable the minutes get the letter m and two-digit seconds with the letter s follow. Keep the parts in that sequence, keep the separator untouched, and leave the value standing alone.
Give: 9h46
